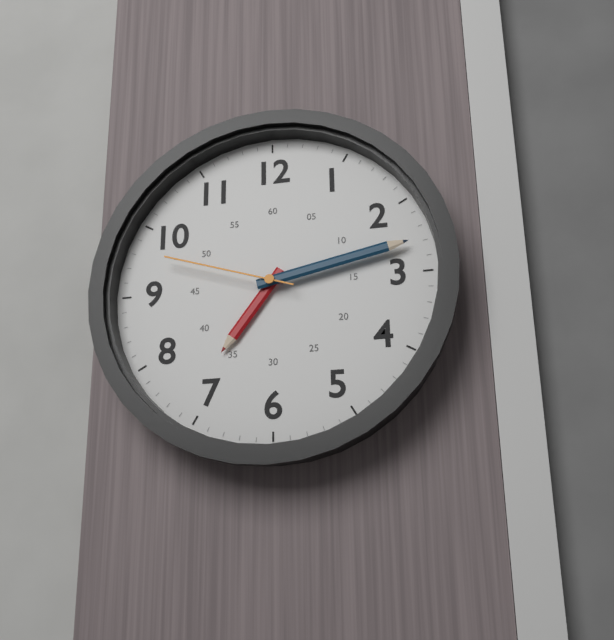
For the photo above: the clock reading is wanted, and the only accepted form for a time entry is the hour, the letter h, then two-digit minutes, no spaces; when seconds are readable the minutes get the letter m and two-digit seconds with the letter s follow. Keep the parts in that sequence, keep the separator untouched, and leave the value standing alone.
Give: 7h13m48s
